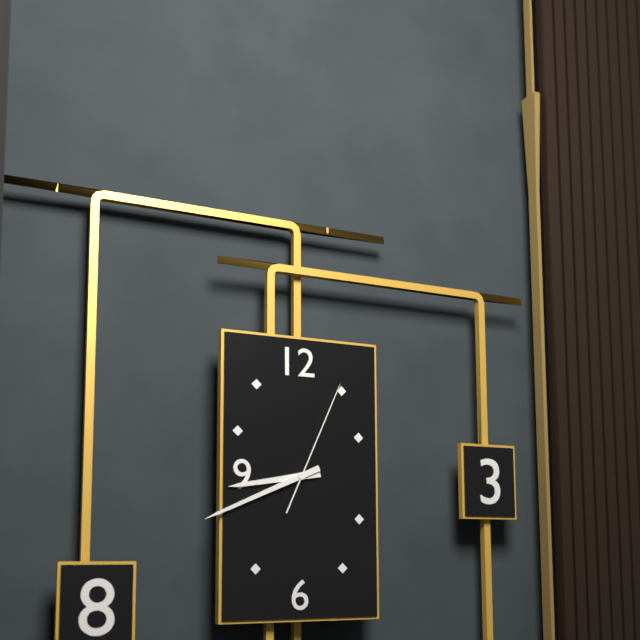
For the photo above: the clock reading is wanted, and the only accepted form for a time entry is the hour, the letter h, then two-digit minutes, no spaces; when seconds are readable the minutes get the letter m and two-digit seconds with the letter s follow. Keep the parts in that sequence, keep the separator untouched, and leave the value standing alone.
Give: 8h41m04s
